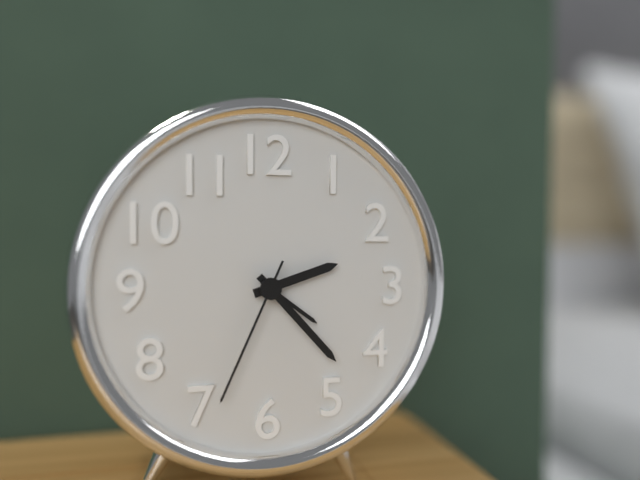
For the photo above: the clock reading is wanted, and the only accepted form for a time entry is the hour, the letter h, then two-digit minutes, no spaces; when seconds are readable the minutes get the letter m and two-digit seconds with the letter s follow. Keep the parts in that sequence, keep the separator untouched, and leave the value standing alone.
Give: 2h23m34s
